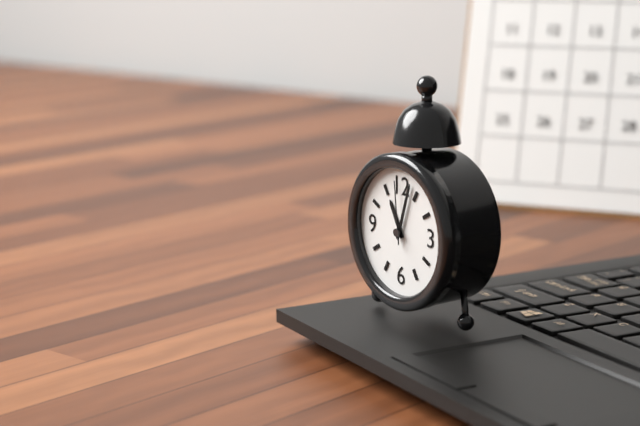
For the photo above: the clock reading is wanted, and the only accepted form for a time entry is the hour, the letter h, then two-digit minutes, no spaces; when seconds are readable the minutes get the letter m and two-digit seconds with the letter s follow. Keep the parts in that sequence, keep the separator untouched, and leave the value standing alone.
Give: 11h03m59s
